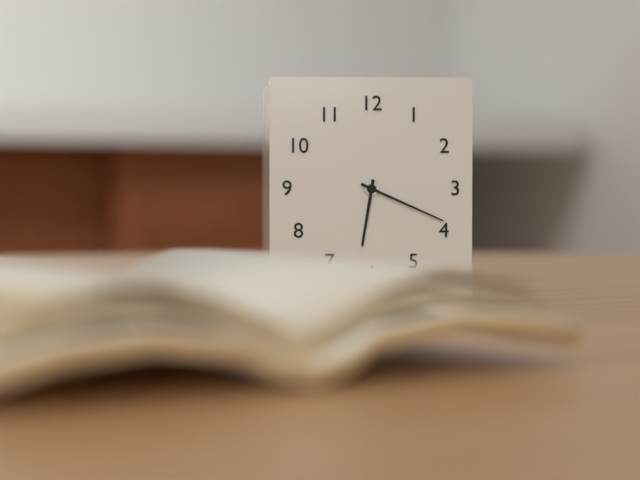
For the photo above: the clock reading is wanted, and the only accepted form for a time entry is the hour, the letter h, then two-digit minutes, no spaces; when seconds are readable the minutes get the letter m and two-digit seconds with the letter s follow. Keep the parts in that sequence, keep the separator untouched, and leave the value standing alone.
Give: 6h19
